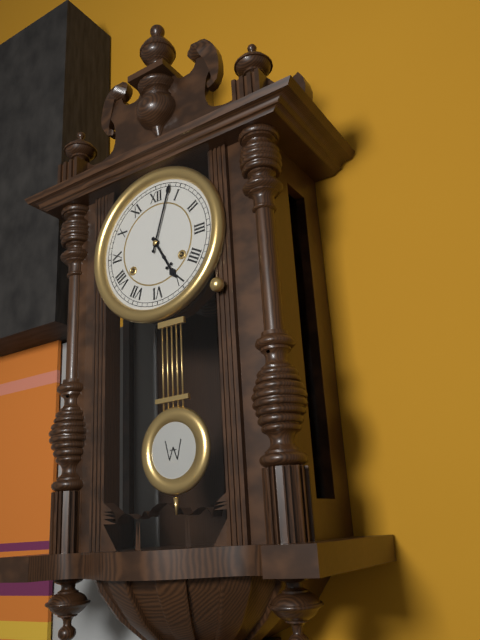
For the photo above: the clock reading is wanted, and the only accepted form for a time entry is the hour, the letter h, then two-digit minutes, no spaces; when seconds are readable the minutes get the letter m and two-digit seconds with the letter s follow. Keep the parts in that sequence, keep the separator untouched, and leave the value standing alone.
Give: 5h03
